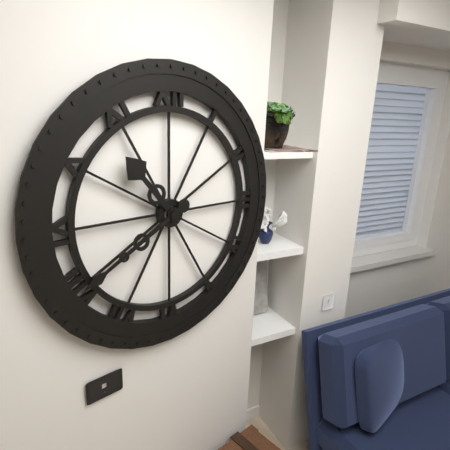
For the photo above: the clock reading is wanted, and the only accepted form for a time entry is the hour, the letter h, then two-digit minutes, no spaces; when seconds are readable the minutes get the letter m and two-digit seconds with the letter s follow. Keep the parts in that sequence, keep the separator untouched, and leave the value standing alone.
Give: 10h40
